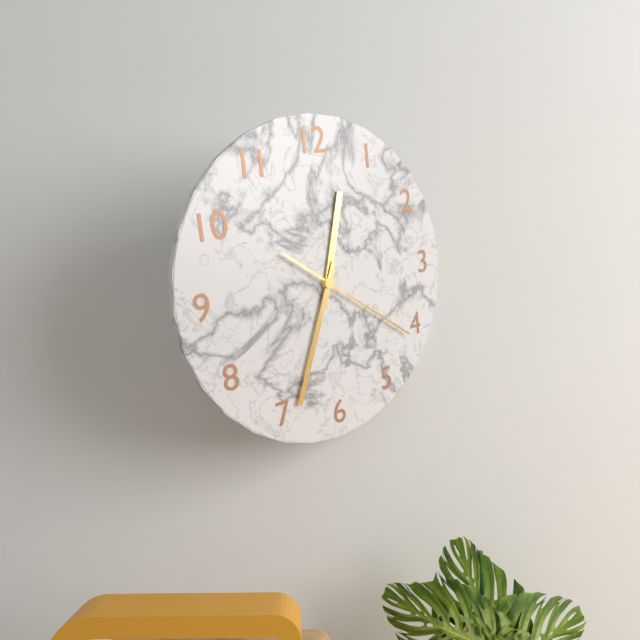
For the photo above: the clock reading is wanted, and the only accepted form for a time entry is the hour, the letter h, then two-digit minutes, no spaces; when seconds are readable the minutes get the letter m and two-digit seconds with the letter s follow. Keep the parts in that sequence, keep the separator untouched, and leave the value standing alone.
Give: 12h34m21s
